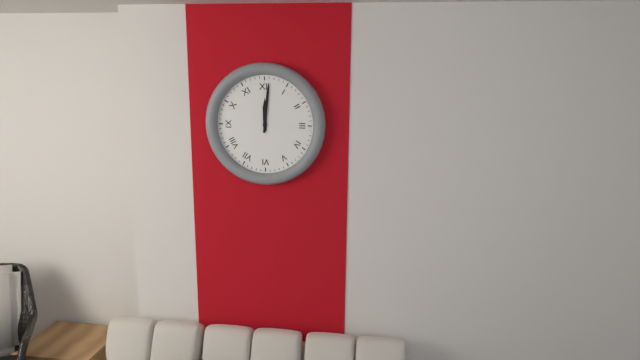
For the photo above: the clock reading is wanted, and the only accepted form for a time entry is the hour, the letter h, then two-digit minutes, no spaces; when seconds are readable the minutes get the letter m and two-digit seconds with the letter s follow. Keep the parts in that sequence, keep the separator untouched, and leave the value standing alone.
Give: 12h01
